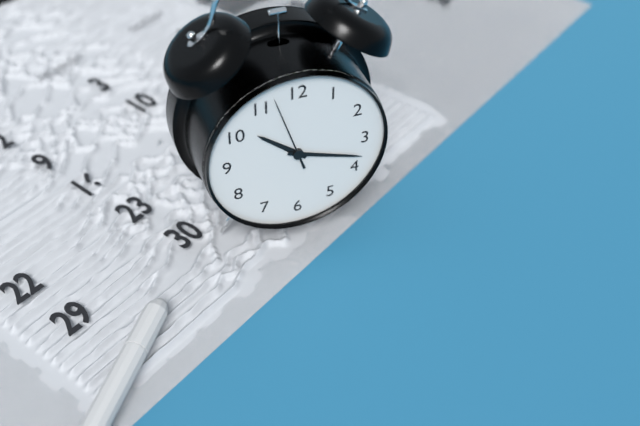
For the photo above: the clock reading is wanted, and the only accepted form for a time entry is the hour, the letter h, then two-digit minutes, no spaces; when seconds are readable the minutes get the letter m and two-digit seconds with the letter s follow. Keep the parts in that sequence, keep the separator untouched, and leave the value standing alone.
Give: 10h18m57s
